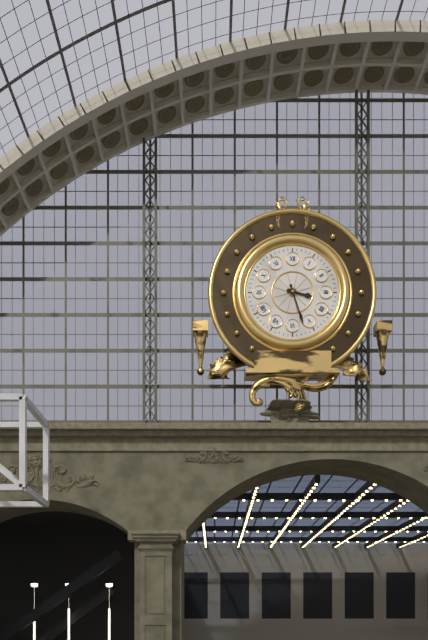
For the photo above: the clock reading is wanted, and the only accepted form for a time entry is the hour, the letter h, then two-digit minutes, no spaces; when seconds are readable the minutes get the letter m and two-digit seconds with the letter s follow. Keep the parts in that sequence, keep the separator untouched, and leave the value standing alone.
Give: 3h27
